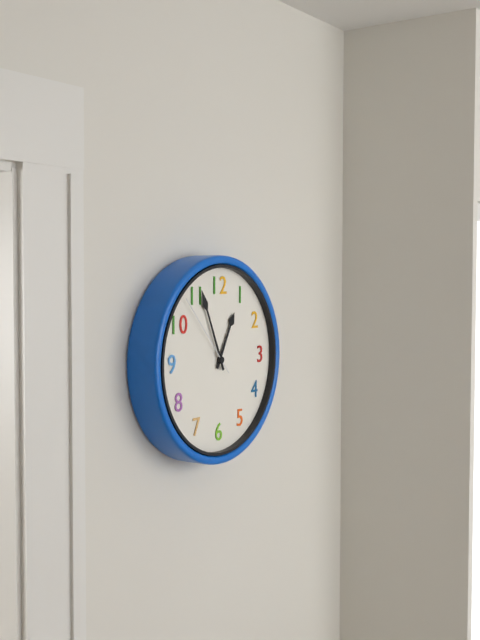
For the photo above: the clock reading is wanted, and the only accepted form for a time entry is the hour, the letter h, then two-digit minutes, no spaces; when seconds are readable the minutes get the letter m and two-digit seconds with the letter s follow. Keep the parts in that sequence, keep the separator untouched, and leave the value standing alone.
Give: 12h56m53s
